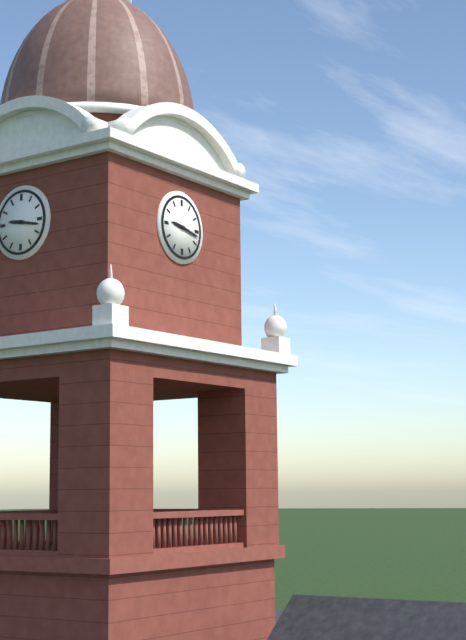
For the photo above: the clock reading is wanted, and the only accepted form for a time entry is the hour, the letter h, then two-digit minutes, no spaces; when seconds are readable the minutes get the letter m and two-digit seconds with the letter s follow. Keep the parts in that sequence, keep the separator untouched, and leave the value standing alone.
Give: 9h17
